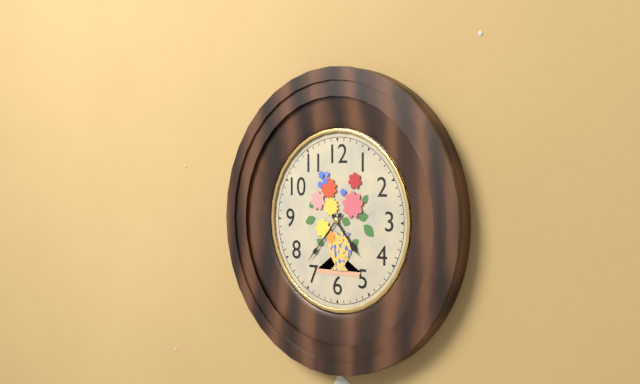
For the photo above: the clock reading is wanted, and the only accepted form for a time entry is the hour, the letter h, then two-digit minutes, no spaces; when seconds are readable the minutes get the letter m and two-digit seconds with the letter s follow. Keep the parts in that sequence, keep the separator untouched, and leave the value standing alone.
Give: 4h37
